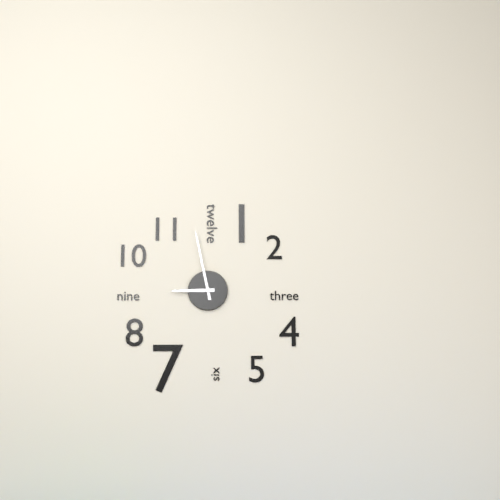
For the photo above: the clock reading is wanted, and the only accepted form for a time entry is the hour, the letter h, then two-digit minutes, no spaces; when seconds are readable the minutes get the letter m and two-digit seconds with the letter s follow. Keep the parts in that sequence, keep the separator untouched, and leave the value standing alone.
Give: 8h58
